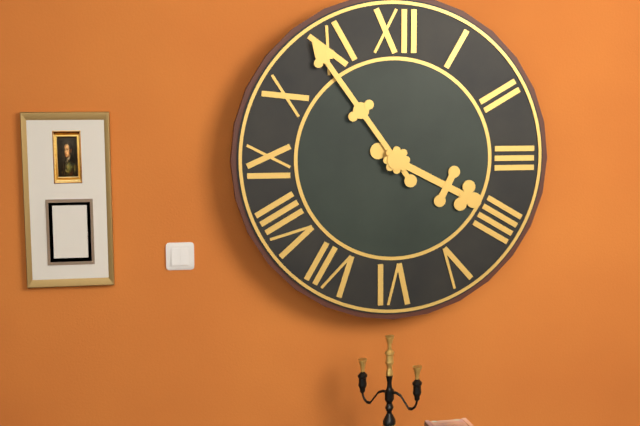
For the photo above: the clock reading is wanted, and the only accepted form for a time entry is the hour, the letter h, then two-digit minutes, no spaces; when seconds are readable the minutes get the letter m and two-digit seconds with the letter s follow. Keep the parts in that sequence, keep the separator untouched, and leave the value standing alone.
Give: 3h54
